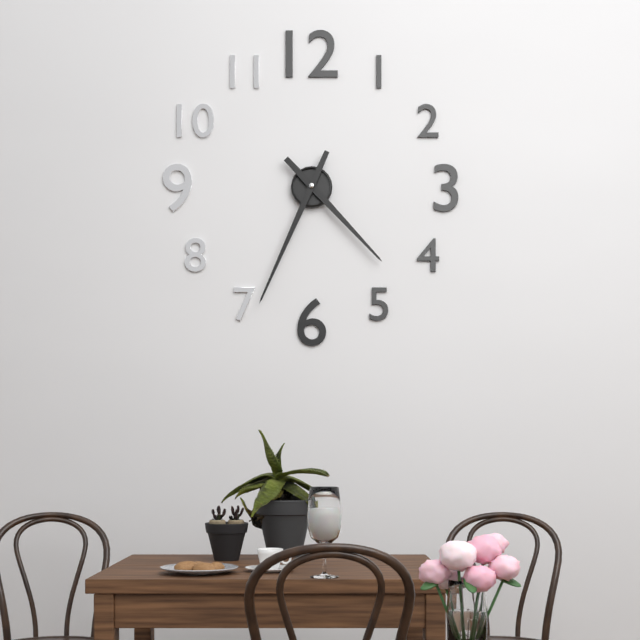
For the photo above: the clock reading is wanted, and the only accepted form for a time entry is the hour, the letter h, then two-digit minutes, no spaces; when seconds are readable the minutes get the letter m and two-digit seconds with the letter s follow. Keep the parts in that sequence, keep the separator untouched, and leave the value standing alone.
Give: 4h34
